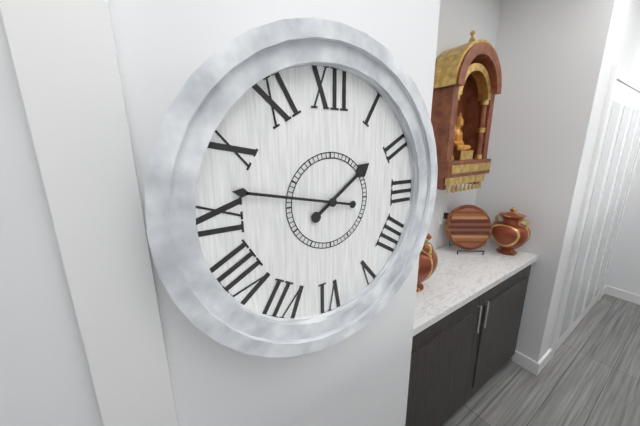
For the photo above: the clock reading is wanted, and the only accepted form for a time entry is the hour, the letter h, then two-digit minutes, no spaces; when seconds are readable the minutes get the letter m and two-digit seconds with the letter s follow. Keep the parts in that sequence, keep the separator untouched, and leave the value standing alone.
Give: 1h47
